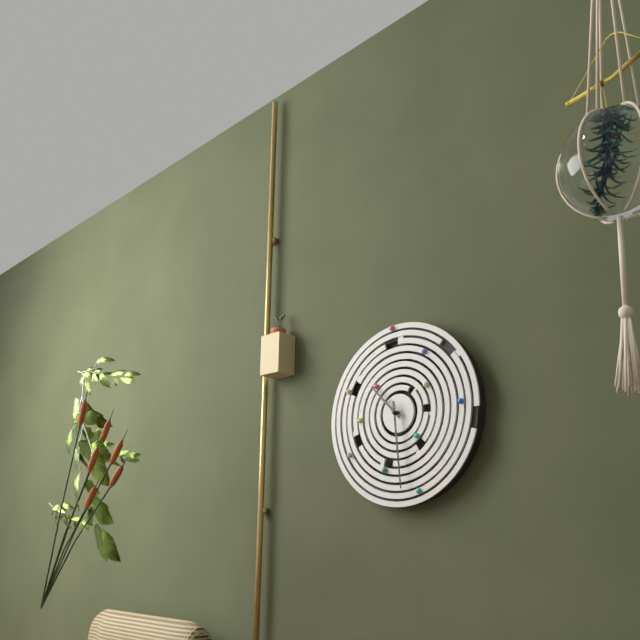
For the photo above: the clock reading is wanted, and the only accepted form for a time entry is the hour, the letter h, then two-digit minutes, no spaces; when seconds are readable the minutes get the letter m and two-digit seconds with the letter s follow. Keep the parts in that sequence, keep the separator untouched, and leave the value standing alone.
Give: 10h29
